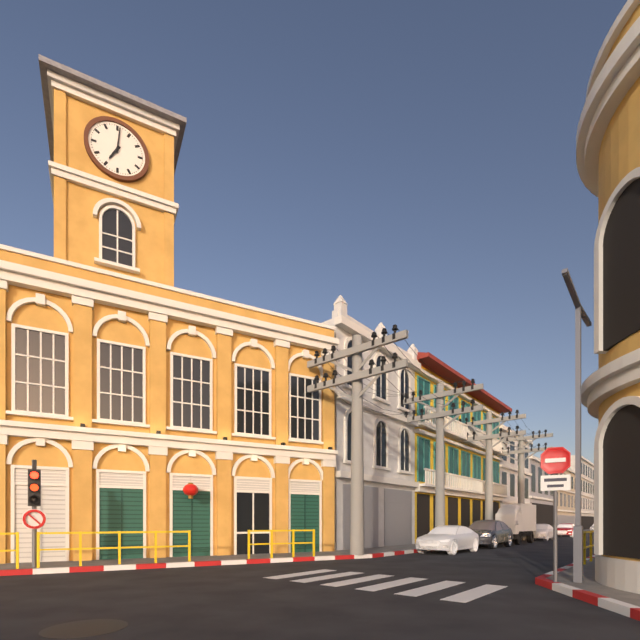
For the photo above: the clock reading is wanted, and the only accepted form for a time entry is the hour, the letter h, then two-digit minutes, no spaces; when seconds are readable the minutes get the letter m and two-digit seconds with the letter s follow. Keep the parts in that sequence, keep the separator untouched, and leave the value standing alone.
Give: 7h01
